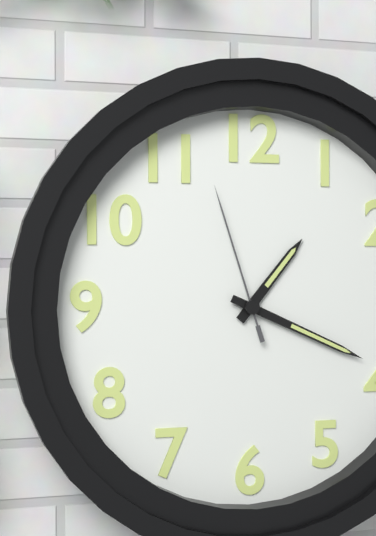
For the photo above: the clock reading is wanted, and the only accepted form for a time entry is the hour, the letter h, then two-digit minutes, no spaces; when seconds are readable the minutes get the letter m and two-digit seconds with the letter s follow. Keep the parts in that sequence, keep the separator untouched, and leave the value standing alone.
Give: 1h19m57s
